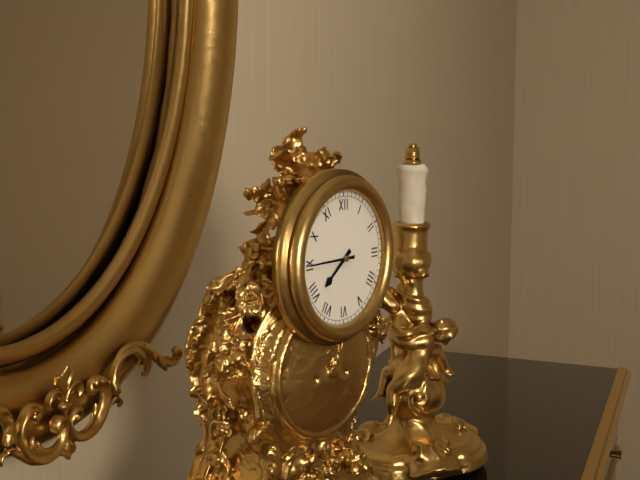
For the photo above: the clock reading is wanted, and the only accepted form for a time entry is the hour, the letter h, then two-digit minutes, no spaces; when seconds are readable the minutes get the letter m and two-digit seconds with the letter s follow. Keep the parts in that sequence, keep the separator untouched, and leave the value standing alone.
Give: 7h45
